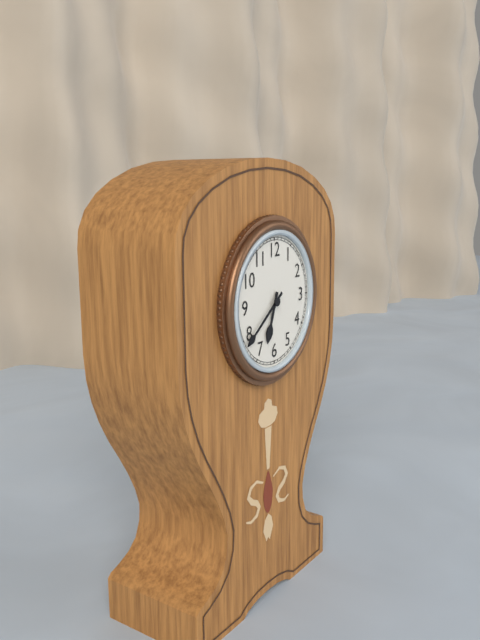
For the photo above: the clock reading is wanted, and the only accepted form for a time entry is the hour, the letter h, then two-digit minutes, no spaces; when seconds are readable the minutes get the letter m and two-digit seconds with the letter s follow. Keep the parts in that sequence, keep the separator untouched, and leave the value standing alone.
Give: 6h39
